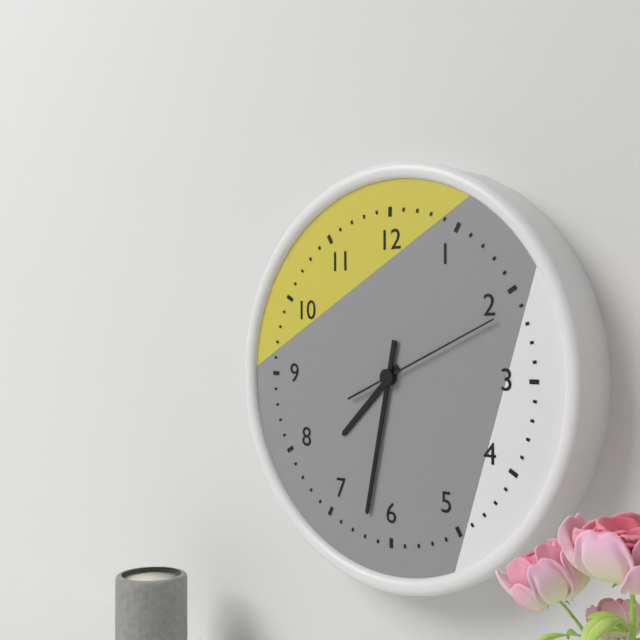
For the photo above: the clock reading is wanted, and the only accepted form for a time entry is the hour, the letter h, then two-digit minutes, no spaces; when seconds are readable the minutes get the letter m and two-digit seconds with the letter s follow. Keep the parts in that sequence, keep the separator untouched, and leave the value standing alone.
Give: 7h32m11s
